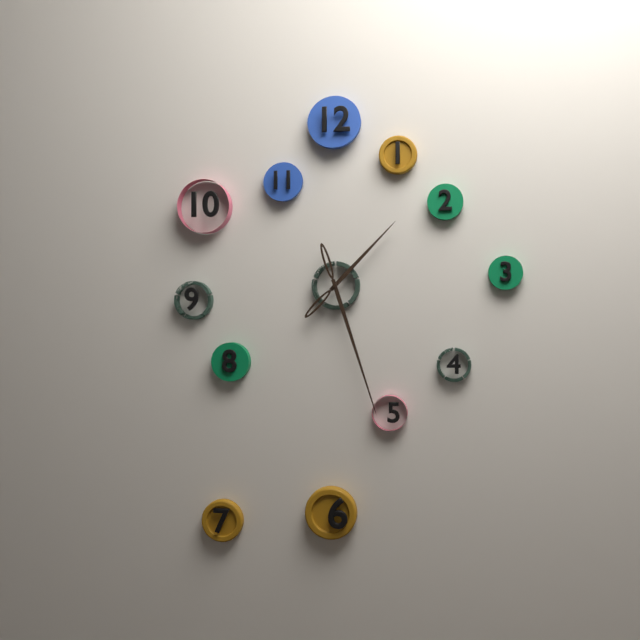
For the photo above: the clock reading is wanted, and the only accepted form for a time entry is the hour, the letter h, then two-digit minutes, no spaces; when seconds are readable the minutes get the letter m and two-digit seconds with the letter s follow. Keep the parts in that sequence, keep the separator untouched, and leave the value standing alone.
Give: 1h27
